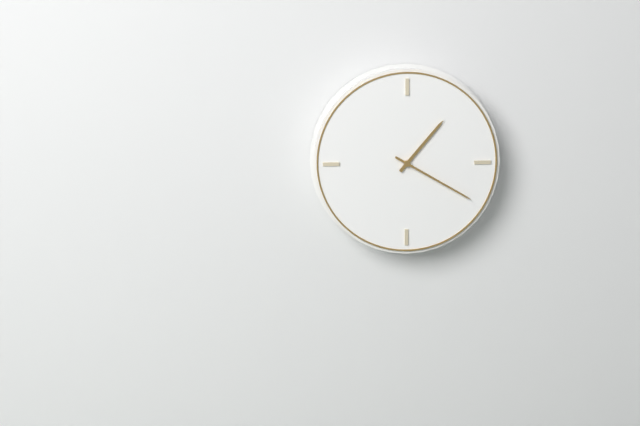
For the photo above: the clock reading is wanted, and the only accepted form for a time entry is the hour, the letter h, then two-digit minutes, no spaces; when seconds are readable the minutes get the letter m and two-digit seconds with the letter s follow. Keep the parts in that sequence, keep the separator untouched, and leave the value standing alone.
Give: 1h20
